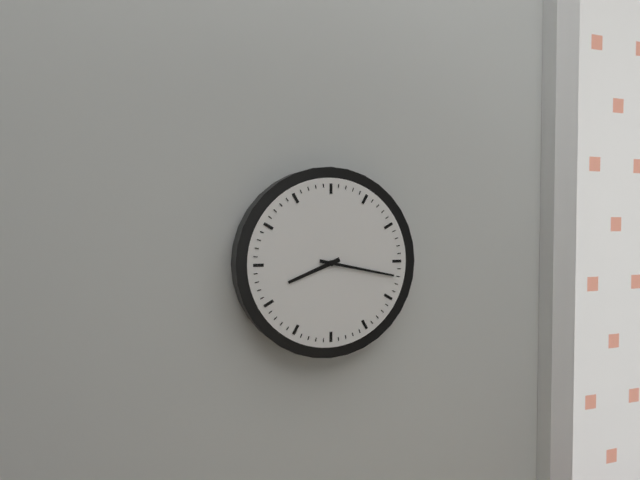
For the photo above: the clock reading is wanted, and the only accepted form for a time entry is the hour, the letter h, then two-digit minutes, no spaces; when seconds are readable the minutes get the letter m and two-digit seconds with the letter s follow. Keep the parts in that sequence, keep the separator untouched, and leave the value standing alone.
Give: 8h17
